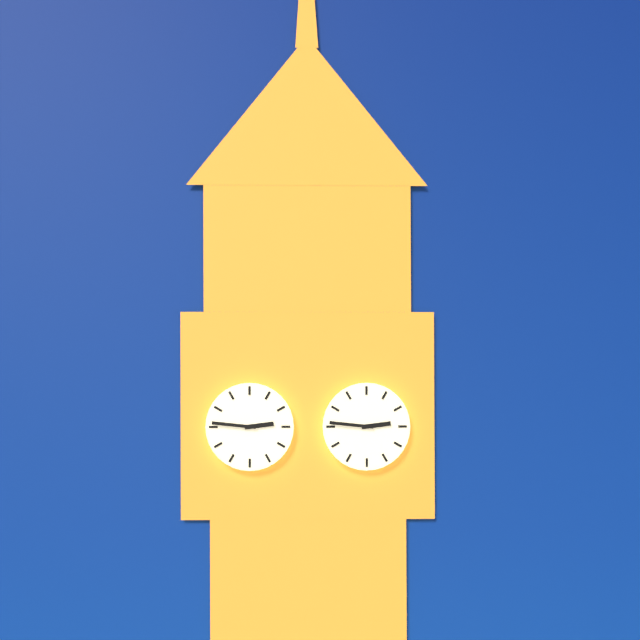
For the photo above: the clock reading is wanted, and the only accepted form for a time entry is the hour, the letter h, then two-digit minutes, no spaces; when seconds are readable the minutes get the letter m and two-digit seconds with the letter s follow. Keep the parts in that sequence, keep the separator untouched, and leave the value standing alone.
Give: 2h46
